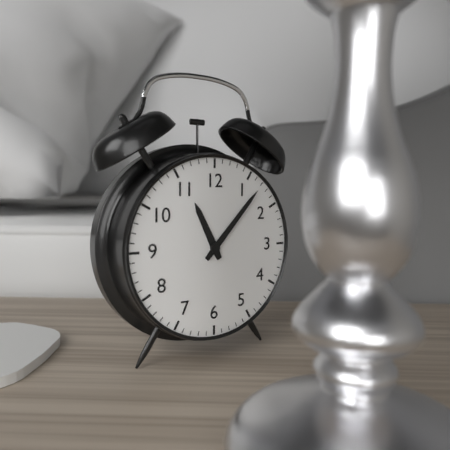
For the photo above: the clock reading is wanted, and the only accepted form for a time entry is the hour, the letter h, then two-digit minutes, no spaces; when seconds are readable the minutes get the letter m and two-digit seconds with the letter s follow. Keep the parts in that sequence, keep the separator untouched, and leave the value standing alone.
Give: 11h07
